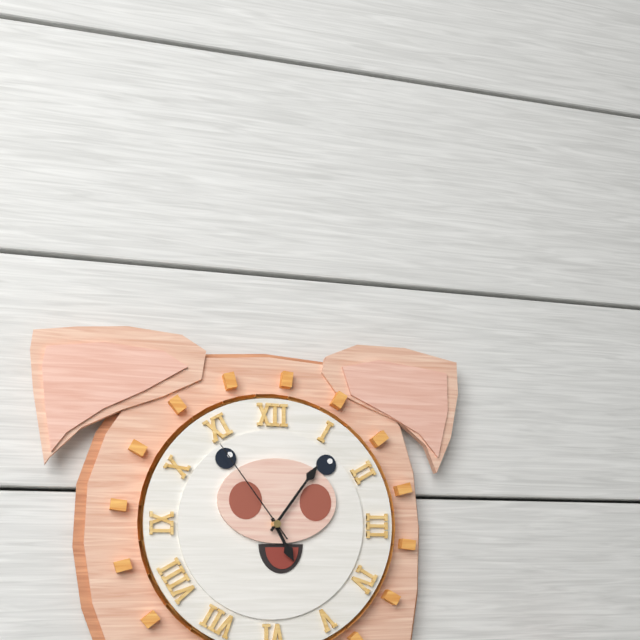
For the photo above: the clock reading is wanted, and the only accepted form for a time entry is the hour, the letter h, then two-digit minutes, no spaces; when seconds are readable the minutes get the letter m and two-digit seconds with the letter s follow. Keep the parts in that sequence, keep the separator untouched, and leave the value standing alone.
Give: 5h06m54s
